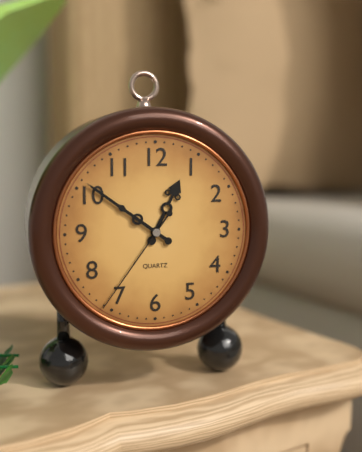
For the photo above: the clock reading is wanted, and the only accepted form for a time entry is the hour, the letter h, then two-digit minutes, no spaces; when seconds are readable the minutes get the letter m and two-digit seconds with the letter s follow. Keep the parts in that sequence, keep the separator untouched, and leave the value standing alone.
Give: 12h51m36s
